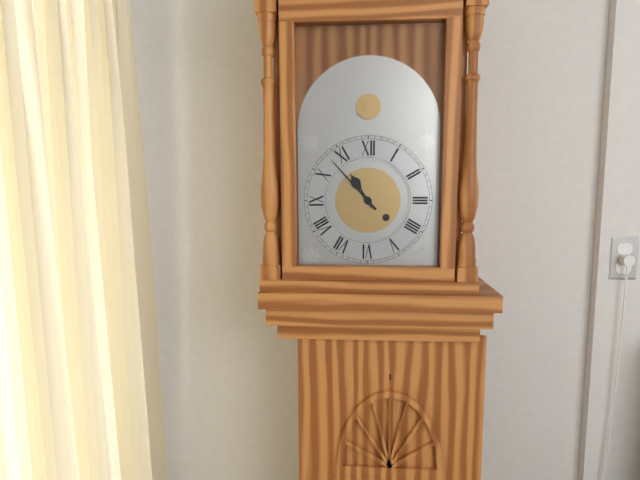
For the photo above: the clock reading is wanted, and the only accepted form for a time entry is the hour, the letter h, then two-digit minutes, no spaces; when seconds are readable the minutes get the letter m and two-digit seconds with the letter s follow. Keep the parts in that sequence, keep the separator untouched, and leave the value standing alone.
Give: 10h53
